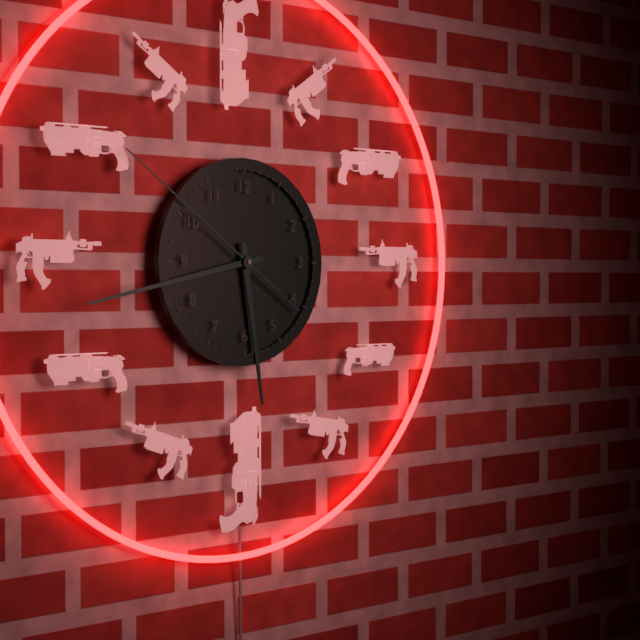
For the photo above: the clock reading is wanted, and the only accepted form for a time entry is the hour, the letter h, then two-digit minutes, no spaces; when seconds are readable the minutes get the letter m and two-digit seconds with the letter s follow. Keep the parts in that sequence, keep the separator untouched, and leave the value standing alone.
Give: 5h43m51s
